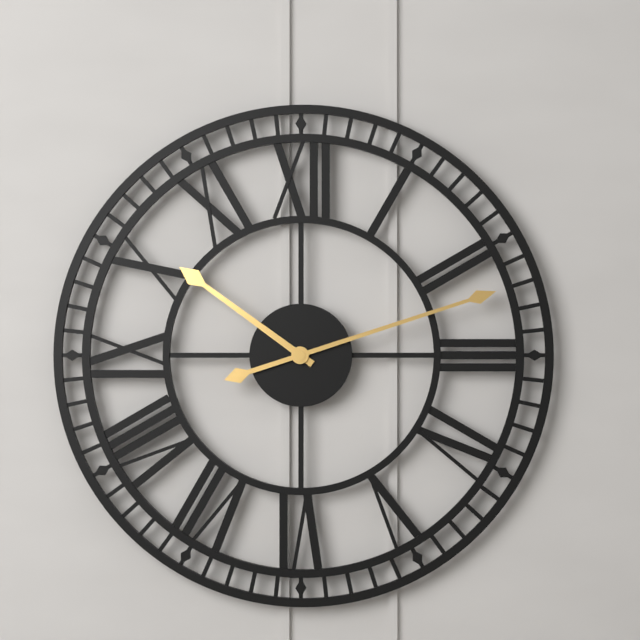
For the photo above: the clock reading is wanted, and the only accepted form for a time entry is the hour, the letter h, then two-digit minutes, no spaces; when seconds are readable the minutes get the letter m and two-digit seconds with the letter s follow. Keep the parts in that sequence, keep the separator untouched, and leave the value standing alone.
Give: 10h12
